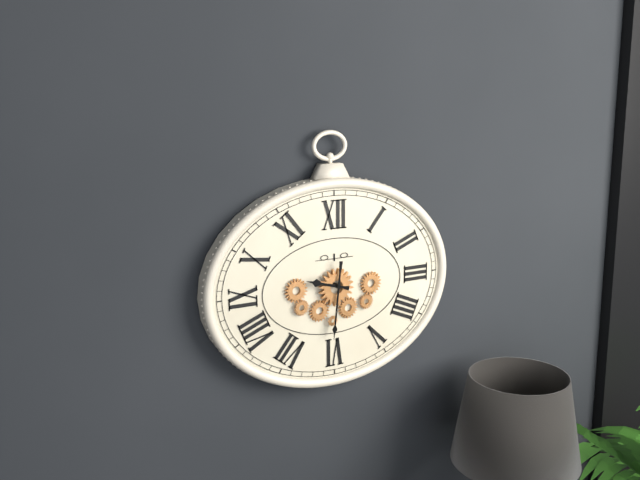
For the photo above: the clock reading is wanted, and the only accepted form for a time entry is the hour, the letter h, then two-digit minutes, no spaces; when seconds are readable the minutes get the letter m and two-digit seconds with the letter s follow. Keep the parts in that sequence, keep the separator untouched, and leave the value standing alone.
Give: 9h31
